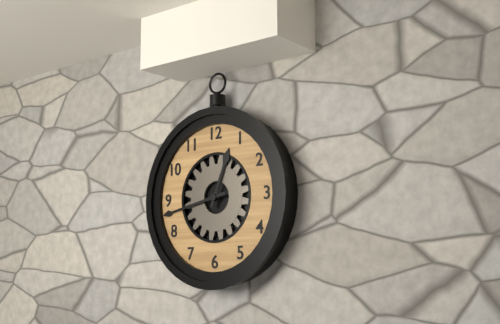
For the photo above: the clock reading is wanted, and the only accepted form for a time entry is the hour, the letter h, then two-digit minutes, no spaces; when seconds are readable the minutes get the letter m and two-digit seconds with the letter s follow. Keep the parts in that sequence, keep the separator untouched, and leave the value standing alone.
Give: 12h43
